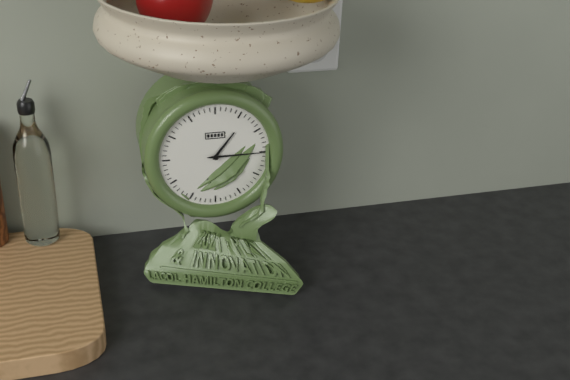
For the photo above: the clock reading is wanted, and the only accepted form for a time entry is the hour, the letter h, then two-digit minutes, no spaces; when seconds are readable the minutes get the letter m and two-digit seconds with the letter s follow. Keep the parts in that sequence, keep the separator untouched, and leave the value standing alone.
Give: 1h15
